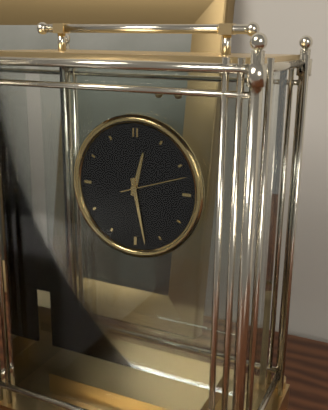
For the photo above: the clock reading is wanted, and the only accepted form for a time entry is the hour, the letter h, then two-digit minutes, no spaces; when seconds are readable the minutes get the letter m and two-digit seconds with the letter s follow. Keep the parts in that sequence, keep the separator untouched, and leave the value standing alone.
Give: 12h28m12s
